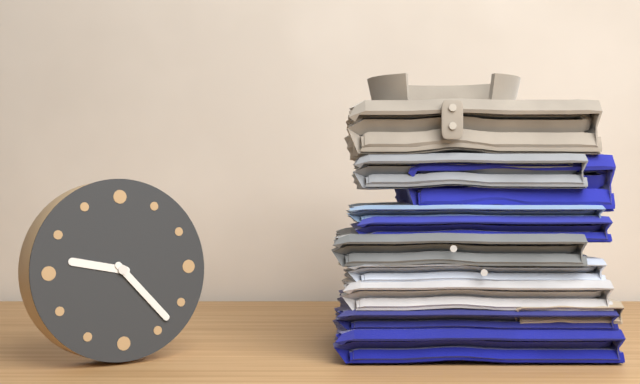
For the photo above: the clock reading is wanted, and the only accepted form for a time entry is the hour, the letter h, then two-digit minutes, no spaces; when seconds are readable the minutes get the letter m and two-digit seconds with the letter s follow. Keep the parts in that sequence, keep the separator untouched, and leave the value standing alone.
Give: 9h23
